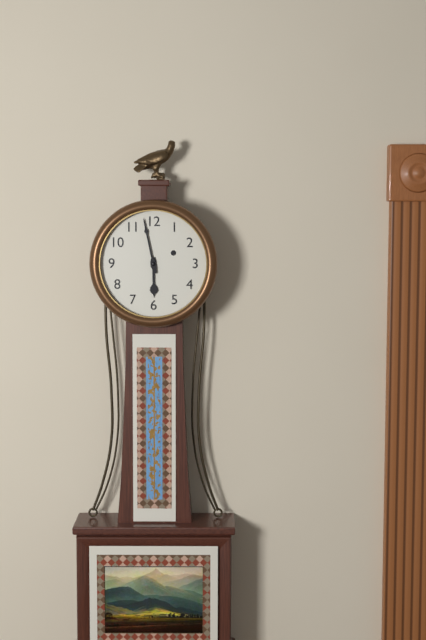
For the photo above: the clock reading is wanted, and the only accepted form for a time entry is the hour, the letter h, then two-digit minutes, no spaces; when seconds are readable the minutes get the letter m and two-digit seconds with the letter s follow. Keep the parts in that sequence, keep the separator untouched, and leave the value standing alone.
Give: 5h58
